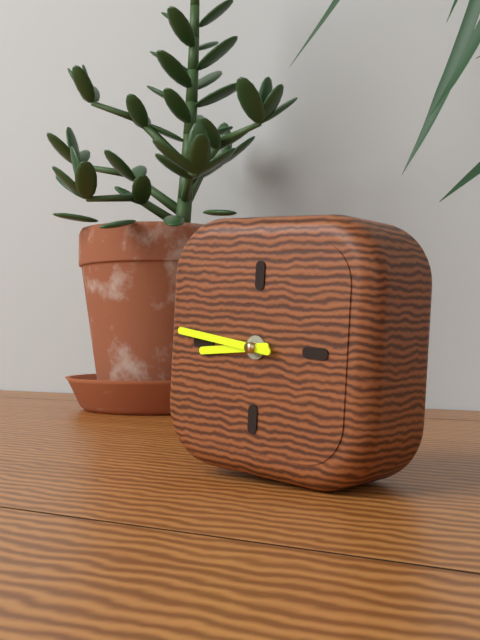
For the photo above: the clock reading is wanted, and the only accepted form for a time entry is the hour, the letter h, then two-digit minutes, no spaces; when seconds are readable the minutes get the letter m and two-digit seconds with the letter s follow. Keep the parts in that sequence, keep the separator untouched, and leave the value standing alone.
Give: 8h46
